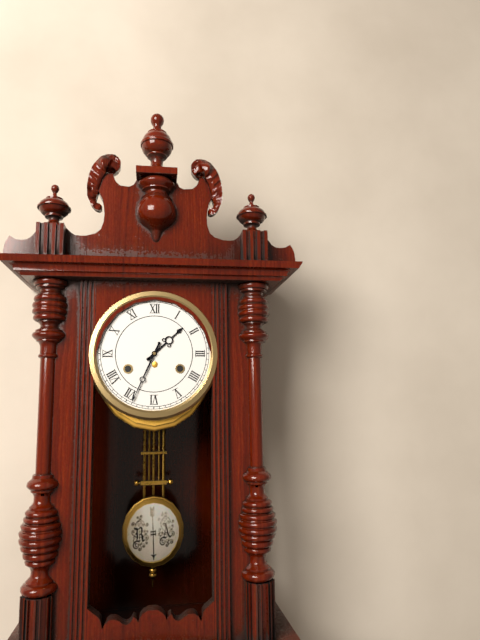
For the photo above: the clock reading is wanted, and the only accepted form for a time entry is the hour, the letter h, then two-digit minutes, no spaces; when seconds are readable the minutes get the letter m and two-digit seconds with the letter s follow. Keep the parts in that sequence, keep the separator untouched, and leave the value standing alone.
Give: 1h34
